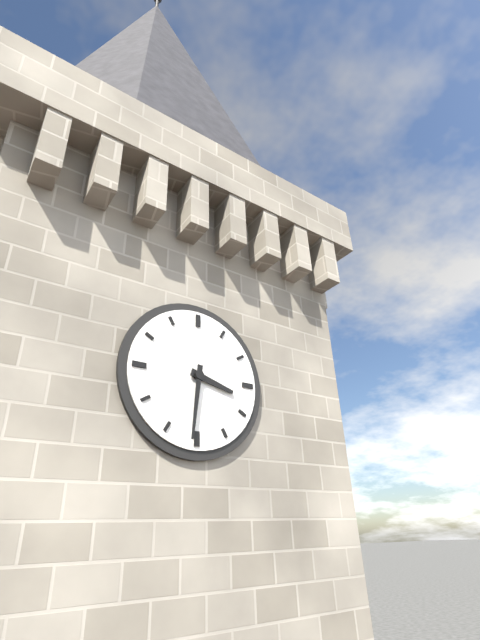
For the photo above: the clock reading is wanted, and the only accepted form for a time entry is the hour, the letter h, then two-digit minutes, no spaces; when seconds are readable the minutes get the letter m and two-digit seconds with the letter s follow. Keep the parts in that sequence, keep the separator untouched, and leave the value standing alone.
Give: 3h31
